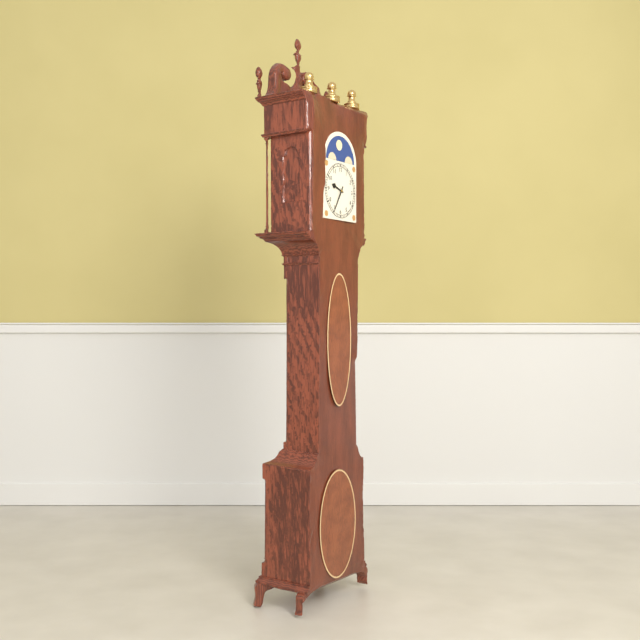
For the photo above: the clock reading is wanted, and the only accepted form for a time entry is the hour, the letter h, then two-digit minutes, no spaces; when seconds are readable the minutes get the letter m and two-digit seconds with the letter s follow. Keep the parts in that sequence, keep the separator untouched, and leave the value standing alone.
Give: 9h35
